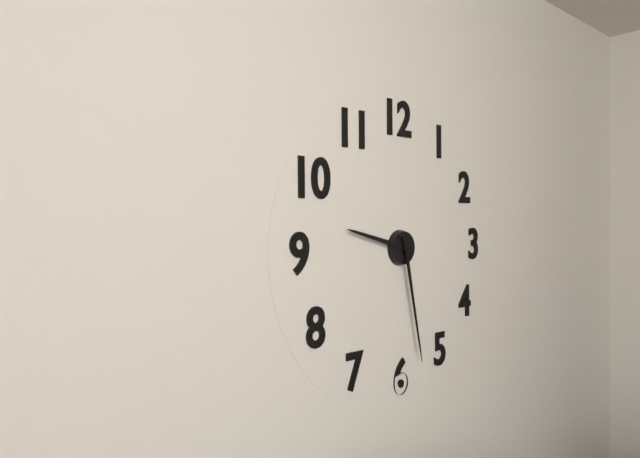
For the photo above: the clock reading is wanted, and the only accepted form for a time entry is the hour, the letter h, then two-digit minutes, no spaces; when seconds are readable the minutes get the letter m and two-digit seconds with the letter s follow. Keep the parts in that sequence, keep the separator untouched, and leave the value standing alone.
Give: 9h28
